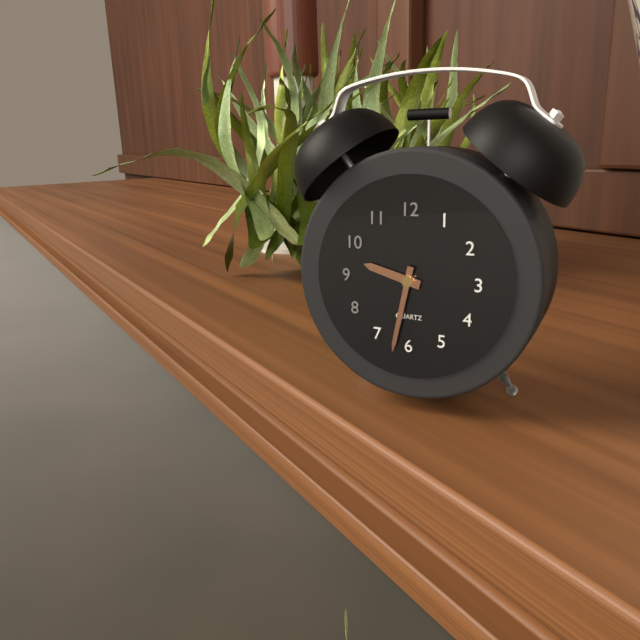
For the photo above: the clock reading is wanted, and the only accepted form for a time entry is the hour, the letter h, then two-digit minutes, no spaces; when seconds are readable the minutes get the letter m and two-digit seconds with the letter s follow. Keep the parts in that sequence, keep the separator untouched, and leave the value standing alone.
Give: 9h32
